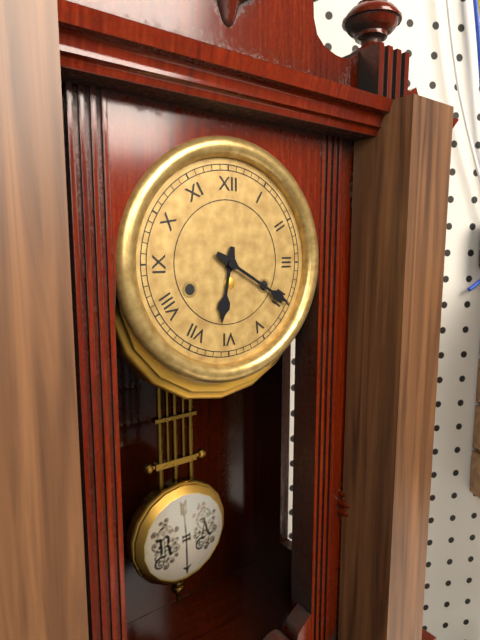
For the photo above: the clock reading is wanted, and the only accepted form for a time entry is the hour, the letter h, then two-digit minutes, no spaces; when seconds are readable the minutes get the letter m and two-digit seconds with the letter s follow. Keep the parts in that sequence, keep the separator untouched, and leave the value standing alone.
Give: 6h20
